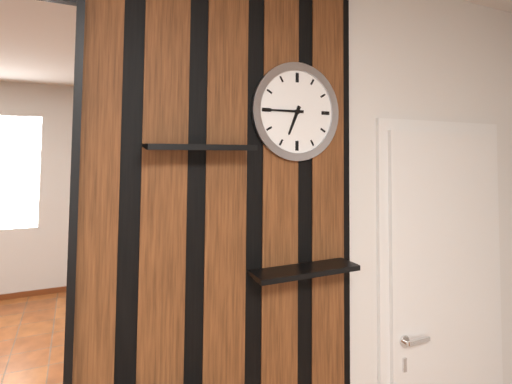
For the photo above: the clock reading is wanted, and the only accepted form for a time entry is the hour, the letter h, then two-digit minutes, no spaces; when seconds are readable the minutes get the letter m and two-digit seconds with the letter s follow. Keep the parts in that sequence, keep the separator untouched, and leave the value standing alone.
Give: 6h45
